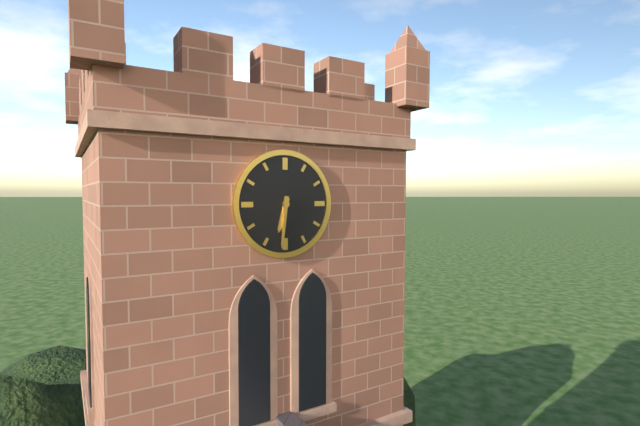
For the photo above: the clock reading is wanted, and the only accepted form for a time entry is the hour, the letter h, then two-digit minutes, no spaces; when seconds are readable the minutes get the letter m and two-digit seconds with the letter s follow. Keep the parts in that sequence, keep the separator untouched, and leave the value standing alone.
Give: 6h31
